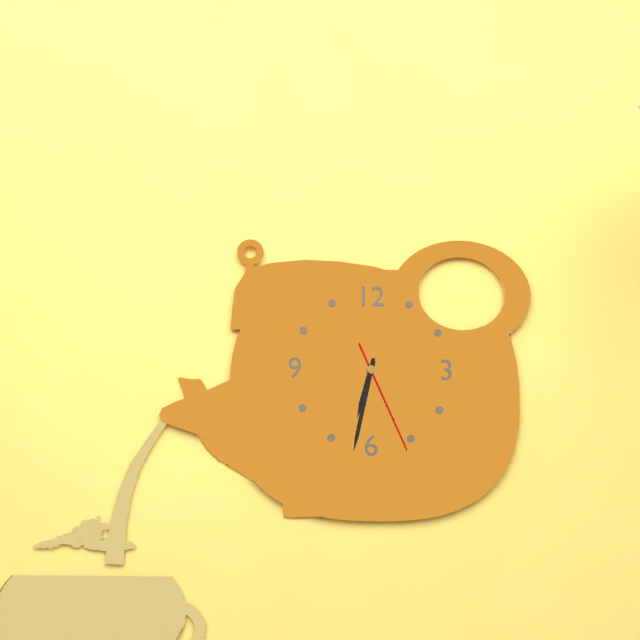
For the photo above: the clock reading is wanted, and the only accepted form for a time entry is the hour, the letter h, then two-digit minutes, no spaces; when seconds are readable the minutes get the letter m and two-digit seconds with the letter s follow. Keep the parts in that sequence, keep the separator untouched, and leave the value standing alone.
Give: 6h32m26s
